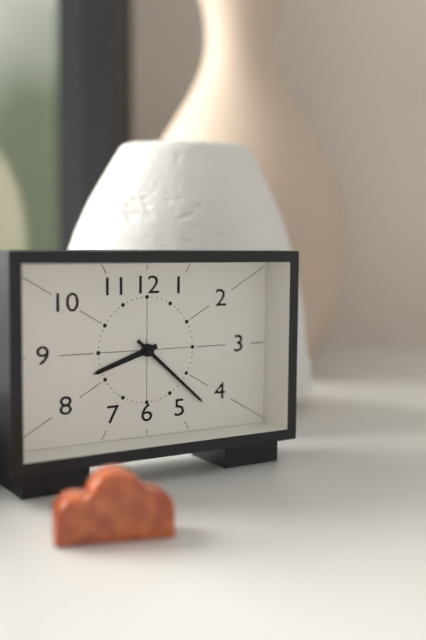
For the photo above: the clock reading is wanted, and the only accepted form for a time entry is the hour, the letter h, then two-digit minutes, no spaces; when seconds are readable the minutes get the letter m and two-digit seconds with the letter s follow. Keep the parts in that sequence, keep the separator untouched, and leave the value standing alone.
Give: 8h22
